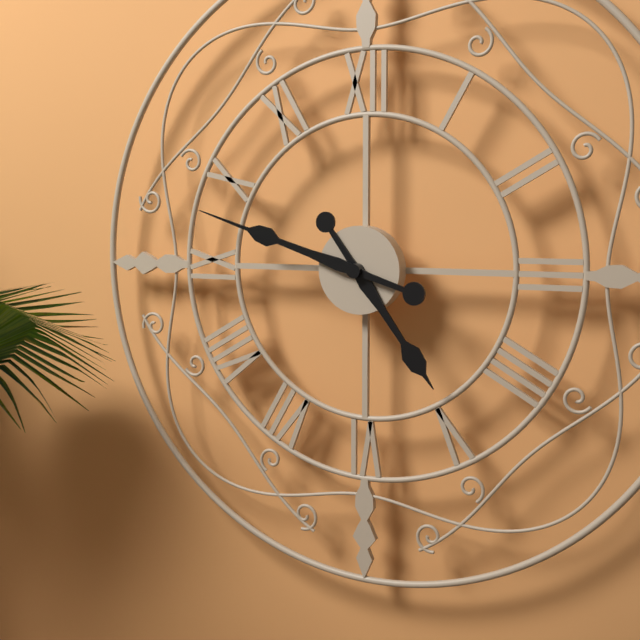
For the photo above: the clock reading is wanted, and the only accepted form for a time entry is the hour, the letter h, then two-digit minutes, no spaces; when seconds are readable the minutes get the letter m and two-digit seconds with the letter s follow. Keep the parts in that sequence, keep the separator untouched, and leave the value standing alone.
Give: 4h48
